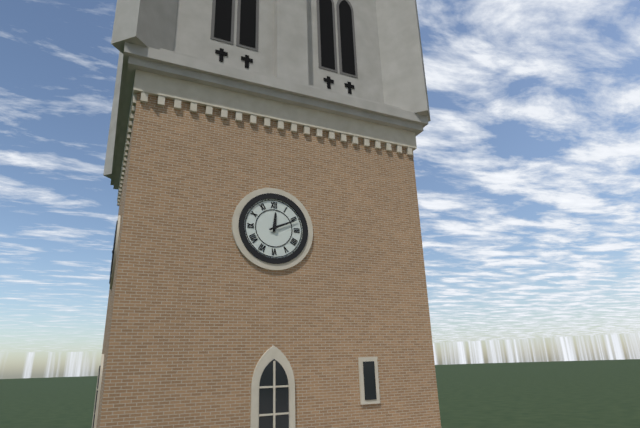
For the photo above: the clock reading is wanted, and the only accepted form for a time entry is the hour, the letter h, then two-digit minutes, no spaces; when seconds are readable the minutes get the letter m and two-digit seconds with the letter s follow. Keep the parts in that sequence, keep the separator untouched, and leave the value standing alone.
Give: 12h11
